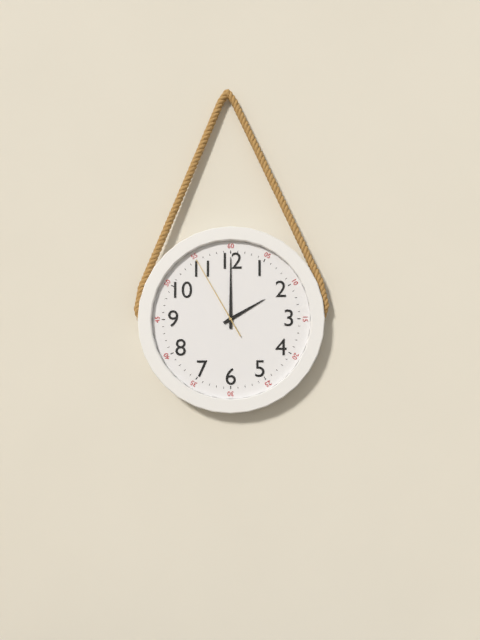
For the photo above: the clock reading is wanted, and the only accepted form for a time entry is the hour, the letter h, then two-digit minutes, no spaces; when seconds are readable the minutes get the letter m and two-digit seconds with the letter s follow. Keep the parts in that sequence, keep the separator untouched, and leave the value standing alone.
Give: 2h00m55s
